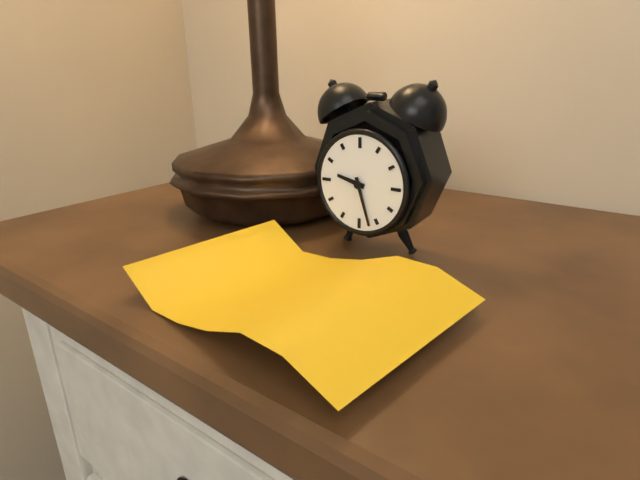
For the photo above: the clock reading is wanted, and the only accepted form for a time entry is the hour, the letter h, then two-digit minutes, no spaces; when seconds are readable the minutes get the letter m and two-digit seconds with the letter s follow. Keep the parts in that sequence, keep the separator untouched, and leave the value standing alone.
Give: 9h27
